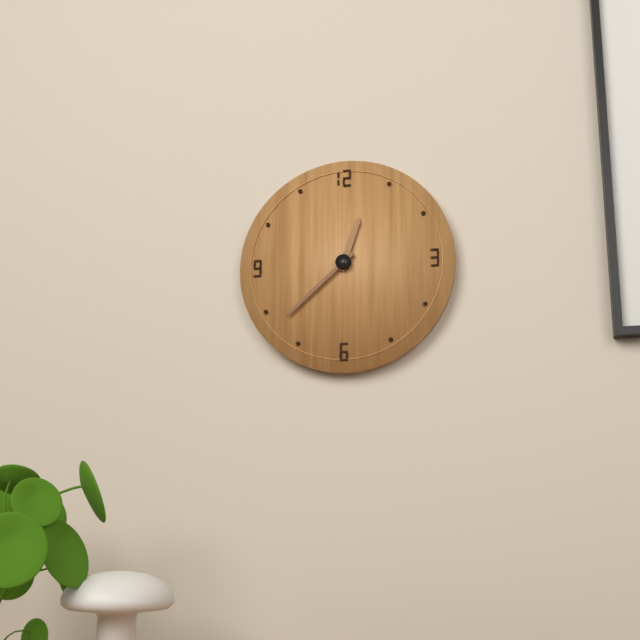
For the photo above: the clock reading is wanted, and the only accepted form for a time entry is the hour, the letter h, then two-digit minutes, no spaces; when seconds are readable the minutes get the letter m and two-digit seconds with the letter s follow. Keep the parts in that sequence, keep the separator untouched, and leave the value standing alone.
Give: 12h38
